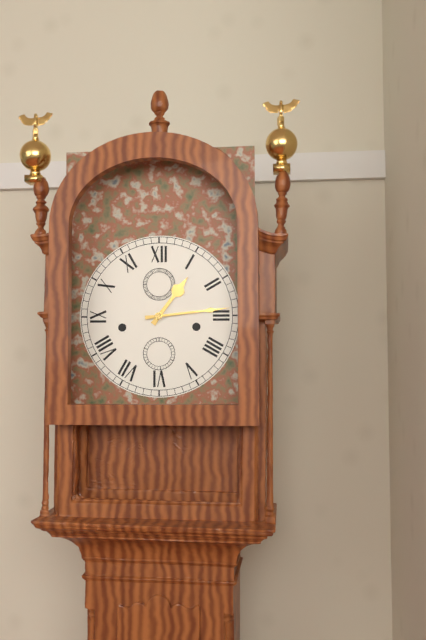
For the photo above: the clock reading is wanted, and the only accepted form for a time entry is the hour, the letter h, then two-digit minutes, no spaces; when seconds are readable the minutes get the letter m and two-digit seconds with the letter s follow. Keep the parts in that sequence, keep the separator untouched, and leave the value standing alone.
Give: 1h14
